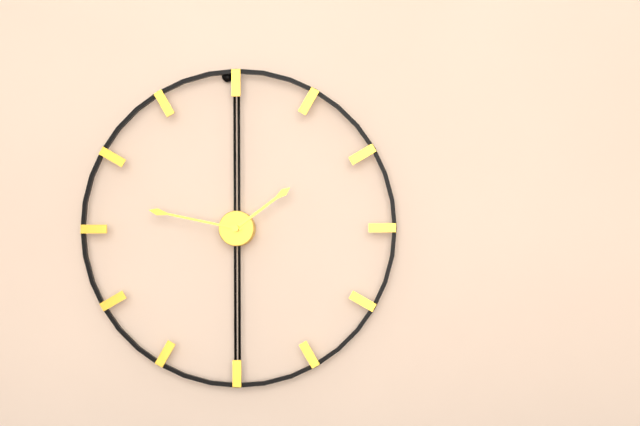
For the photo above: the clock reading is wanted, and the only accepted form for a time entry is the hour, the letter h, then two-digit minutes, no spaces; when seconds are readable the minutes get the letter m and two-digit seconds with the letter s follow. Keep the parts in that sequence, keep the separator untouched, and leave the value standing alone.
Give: 1h47
